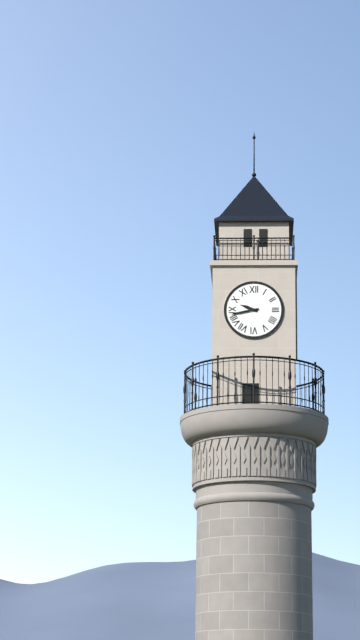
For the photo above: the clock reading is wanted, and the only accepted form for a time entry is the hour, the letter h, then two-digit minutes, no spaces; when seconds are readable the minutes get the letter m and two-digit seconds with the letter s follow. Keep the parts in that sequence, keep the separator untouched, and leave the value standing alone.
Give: 9h43
